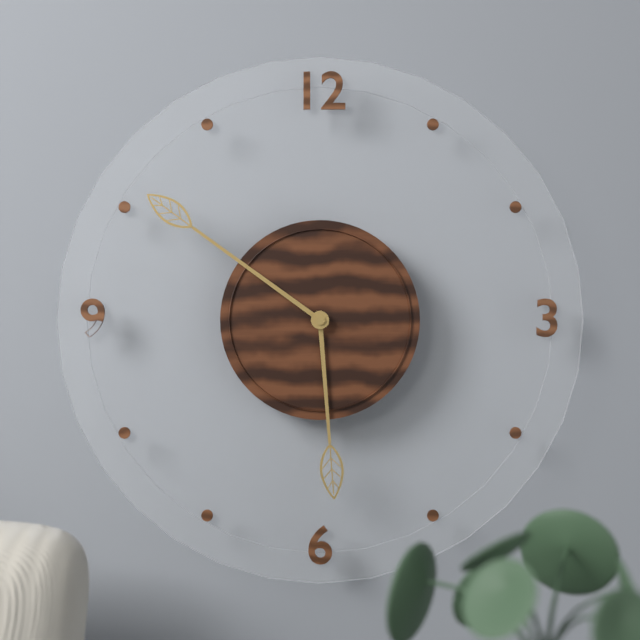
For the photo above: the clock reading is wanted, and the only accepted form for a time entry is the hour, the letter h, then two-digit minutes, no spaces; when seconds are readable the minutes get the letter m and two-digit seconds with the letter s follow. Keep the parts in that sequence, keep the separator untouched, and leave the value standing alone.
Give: 5h51
